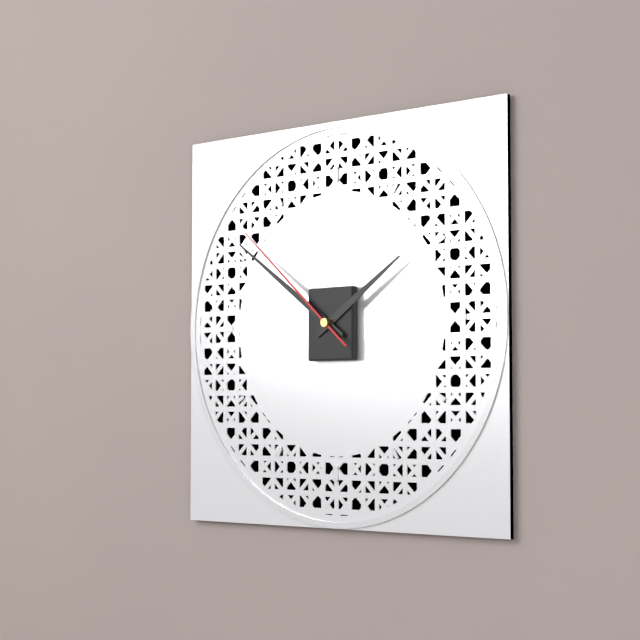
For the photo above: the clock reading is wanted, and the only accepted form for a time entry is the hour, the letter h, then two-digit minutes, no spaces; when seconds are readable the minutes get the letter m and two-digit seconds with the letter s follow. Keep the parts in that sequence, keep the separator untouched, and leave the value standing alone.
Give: 1h51m52s
